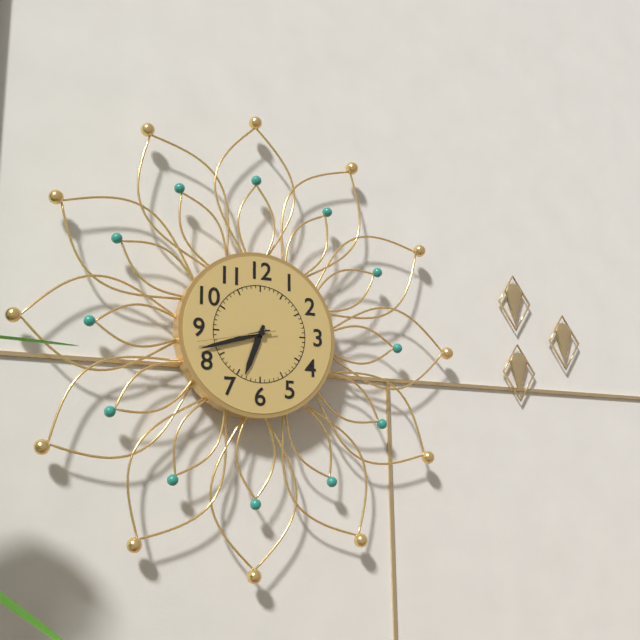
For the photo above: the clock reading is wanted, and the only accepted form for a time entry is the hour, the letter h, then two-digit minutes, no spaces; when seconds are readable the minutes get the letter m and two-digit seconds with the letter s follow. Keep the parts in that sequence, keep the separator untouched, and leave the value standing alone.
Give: 6h42m43s
